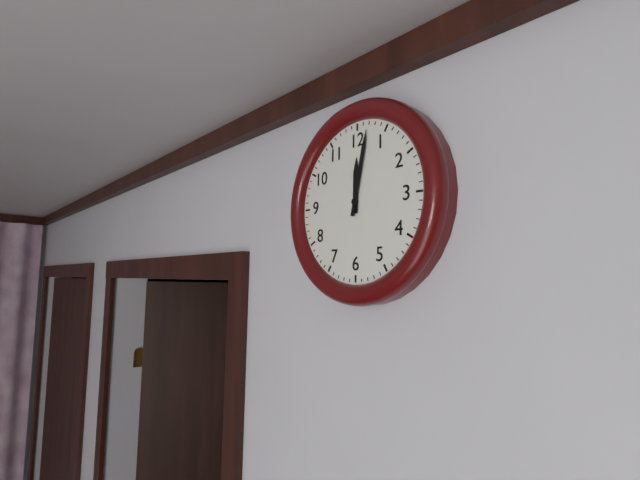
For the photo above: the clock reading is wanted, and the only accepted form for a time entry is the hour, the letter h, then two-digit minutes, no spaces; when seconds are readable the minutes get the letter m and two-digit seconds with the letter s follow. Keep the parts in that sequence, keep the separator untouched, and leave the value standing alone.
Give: 12h02
